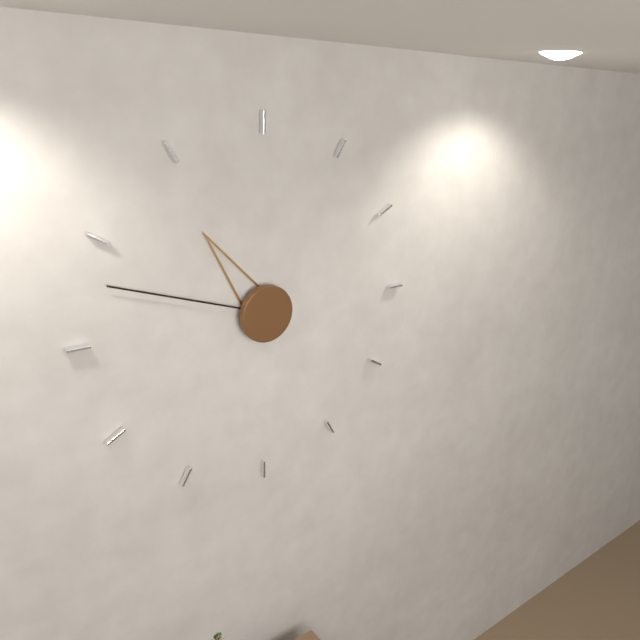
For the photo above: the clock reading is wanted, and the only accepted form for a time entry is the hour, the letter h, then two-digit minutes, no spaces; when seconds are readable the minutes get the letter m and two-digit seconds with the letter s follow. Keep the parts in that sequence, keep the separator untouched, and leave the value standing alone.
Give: 10h48
